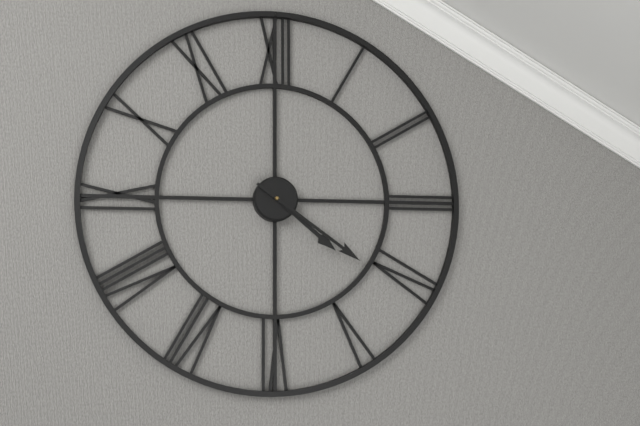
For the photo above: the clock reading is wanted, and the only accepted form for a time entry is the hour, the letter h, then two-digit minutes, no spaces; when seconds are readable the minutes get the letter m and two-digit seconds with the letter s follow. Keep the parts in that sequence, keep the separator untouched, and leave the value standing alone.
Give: 4h21
